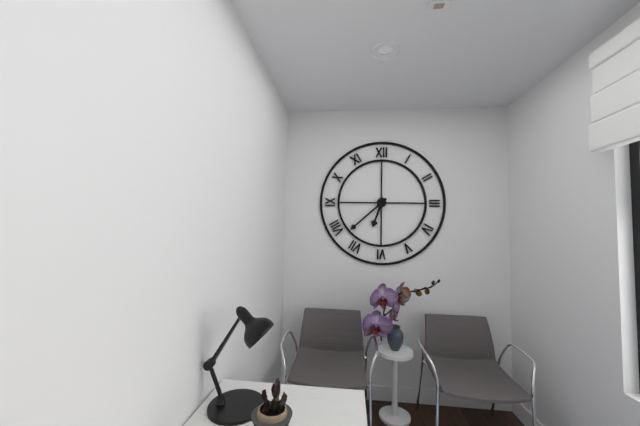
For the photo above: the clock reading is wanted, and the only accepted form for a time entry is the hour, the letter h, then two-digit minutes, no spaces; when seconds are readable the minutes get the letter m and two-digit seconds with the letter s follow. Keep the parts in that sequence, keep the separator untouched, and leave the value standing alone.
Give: 6h38
